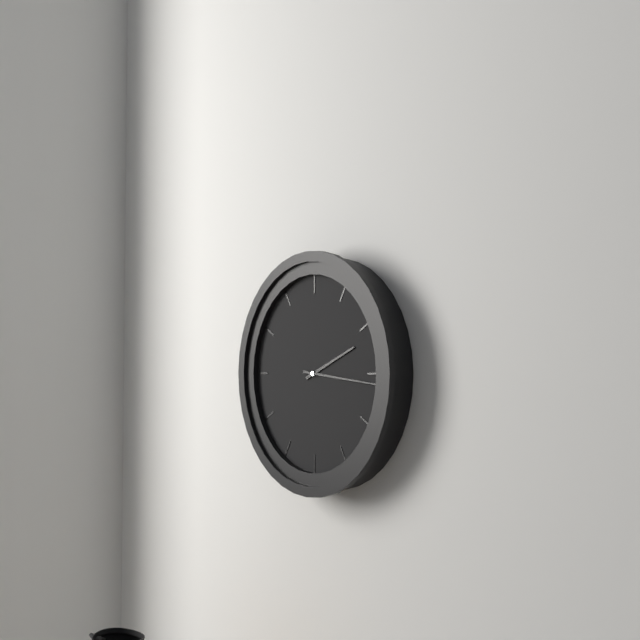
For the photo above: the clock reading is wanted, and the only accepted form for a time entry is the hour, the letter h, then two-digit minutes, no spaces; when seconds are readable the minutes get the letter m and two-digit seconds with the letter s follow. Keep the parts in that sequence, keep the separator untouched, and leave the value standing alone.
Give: 2h16
